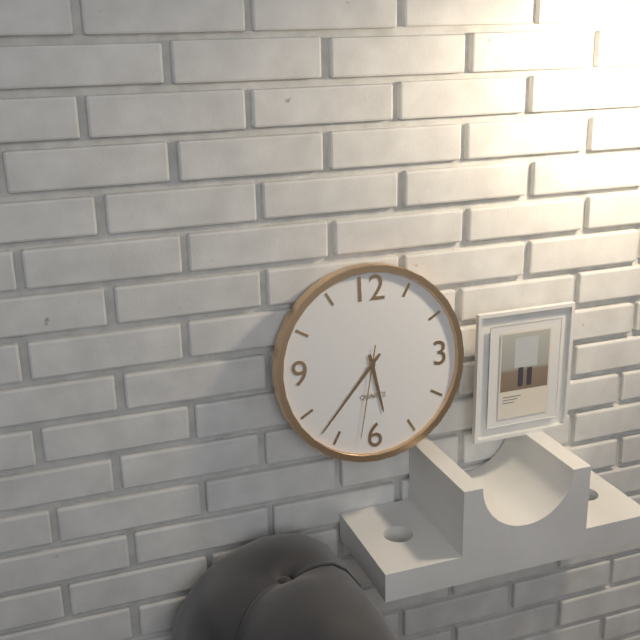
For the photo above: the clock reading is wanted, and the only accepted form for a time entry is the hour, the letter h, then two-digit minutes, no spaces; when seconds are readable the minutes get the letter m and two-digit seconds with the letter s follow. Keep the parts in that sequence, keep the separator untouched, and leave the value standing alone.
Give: 5h37m32s
